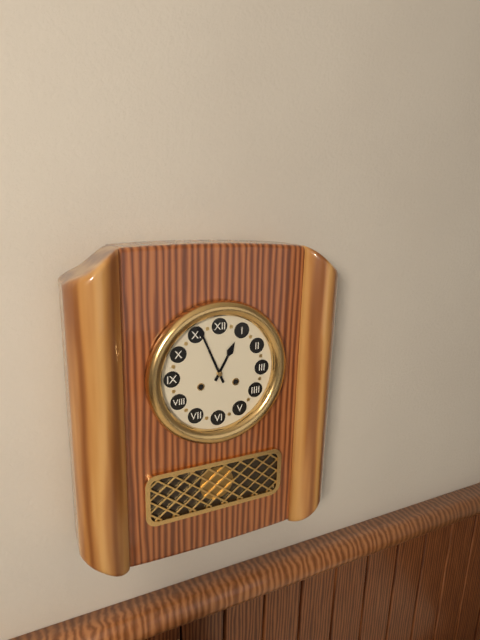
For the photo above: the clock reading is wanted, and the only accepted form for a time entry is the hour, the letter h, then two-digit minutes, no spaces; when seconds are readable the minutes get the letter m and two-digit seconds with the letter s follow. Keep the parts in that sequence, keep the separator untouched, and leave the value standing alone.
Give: 12h56
